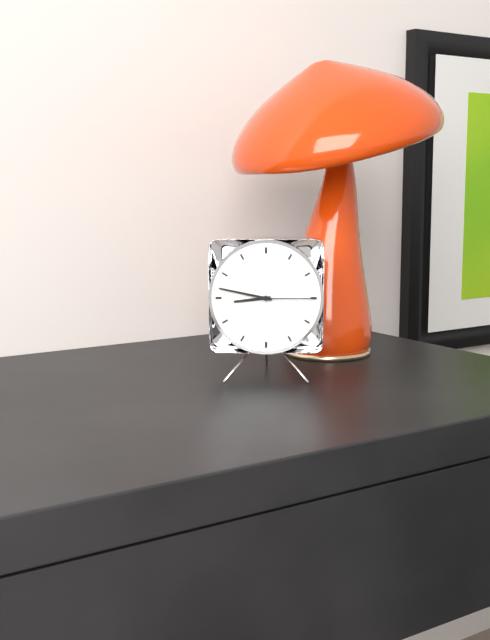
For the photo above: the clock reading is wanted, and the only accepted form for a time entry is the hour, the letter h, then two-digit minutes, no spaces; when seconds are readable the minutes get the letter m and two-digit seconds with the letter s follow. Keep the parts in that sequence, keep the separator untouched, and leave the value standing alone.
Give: 8h47m15s
